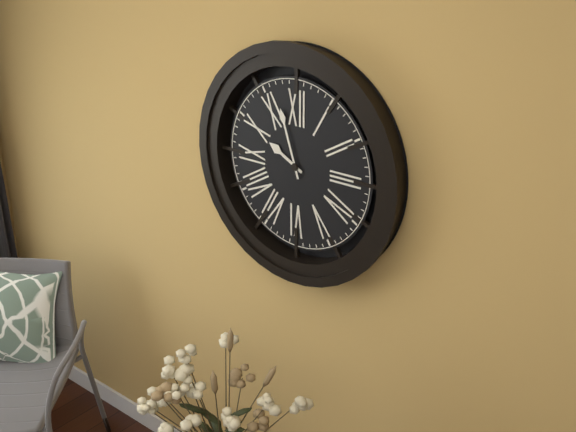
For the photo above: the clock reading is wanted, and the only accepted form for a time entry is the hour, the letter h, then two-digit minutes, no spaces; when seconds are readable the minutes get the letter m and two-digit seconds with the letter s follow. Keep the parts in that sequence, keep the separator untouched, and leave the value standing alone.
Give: 9h57
